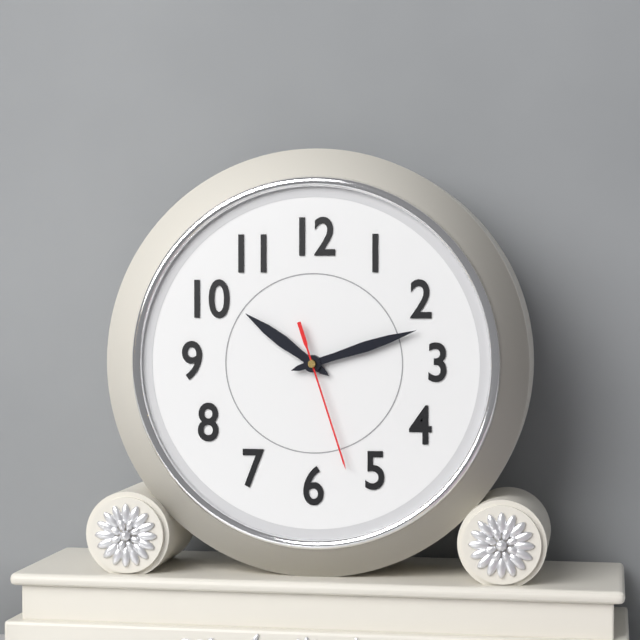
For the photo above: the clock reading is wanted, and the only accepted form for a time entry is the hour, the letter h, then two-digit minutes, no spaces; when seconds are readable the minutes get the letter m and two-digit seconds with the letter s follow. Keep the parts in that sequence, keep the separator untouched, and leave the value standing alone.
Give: 10h12m27s
